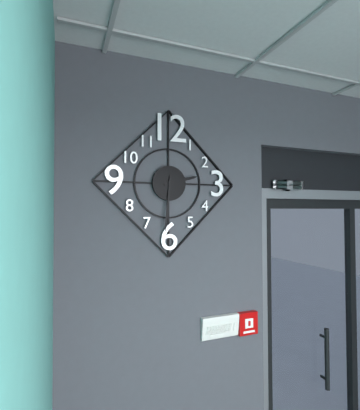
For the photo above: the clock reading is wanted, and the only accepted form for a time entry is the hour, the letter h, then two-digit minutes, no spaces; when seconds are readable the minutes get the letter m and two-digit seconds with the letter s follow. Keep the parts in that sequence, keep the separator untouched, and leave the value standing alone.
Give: 2h31
